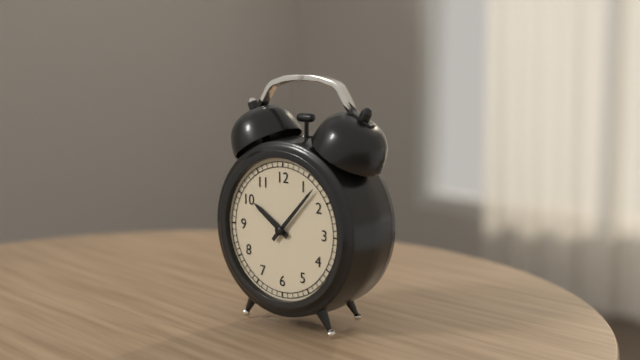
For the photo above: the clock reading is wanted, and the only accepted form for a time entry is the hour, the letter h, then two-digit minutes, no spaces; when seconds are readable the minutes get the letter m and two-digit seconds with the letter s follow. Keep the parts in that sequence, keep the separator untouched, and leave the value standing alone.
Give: 10h07
